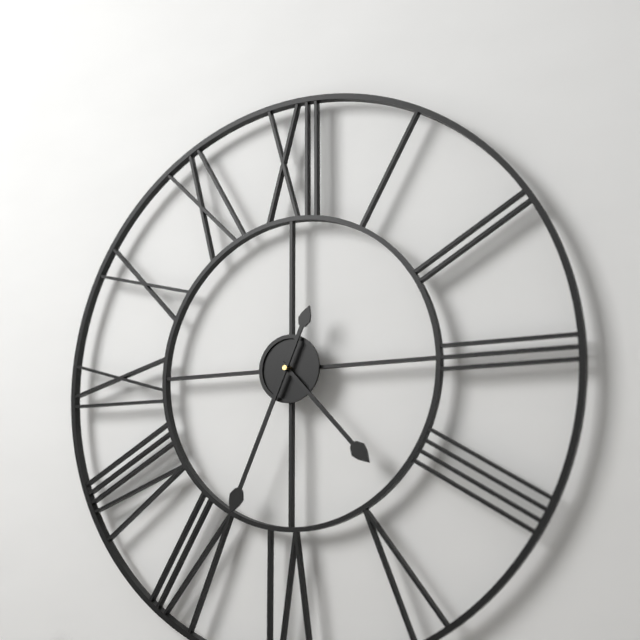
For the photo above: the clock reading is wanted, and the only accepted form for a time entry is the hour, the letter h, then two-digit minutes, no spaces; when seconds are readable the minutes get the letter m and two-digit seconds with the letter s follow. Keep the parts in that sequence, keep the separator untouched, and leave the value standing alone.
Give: 4h34
